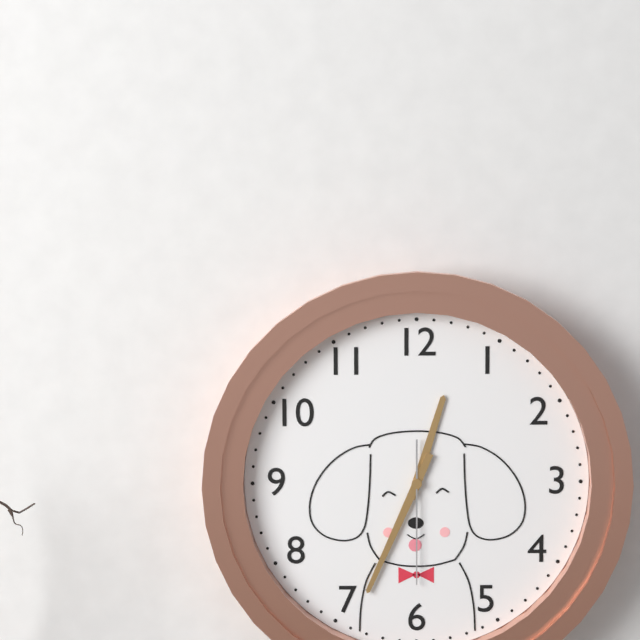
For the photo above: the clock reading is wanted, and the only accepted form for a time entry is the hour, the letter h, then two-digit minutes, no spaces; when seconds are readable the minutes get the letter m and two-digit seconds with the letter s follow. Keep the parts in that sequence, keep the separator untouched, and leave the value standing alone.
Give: 12h34m30s
